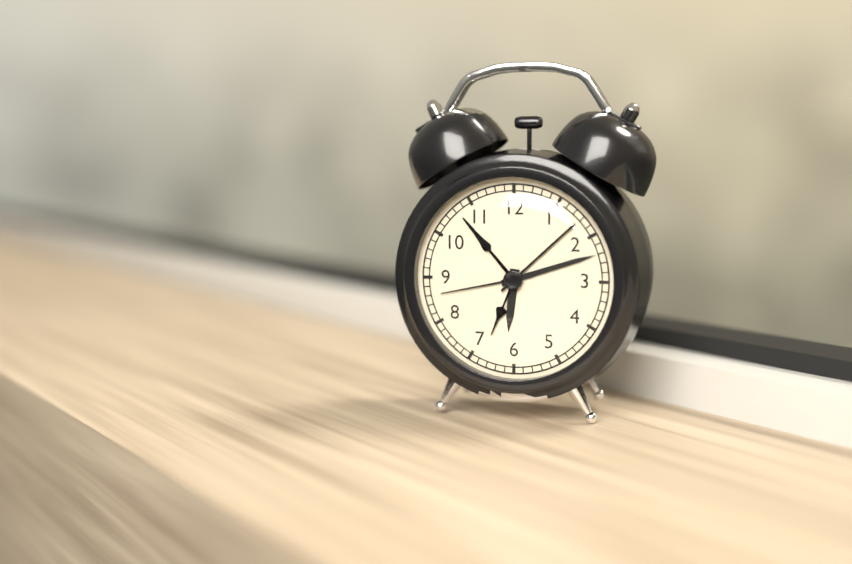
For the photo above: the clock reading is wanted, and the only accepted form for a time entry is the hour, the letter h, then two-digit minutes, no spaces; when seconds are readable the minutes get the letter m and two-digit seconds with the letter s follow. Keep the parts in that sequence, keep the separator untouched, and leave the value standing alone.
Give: 6h12m43s
